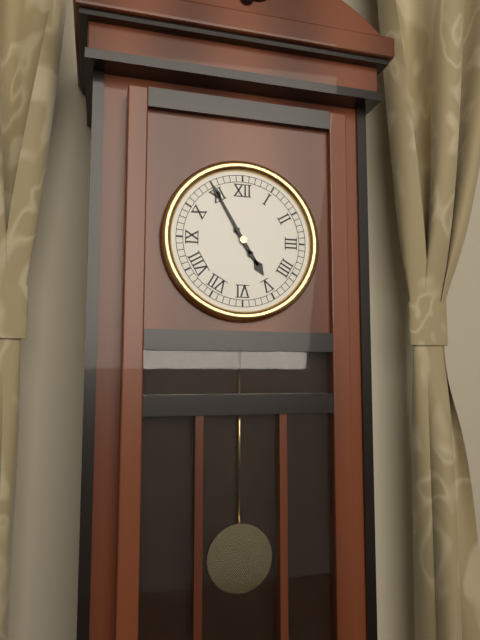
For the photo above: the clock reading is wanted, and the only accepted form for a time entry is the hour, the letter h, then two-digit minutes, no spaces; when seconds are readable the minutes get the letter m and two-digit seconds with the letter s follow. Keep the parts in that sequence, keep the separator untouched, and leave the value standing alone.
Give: 4h55
